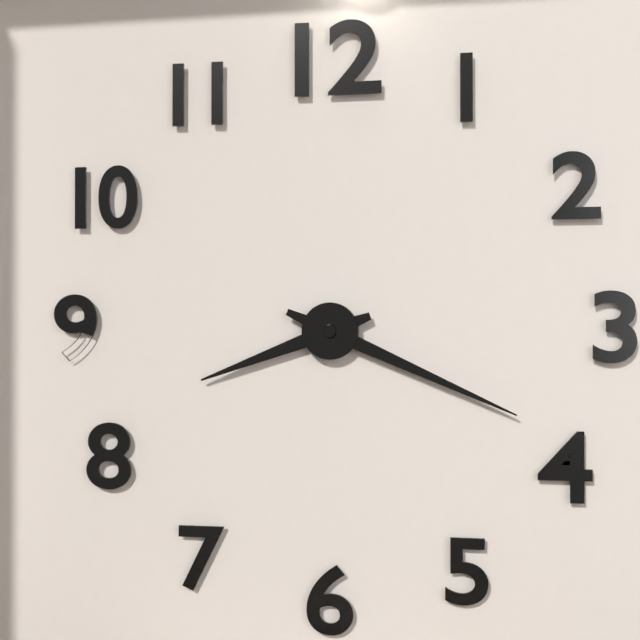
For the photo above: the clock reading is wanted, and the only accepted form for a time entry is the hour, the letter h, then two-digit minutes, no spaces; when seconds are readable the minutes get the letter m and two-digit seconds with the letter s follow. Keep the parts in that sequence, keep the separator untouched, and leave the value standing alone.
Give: 8h19
